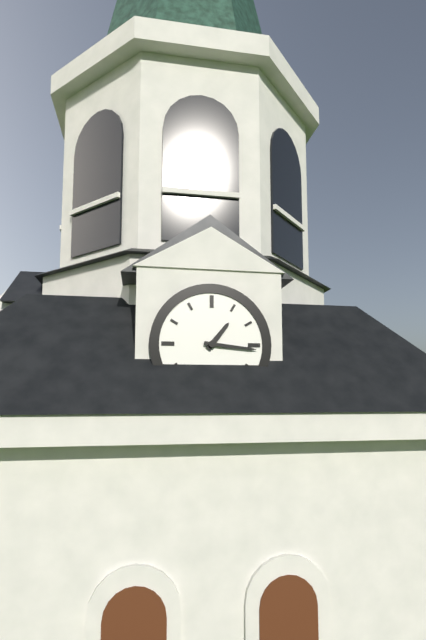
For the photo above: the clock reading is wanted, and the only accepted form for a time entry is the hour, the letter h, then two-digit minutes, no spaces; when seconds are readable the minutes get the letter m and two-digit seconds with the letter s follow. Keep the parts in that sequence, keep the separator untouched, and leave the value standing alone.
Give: 1h16
